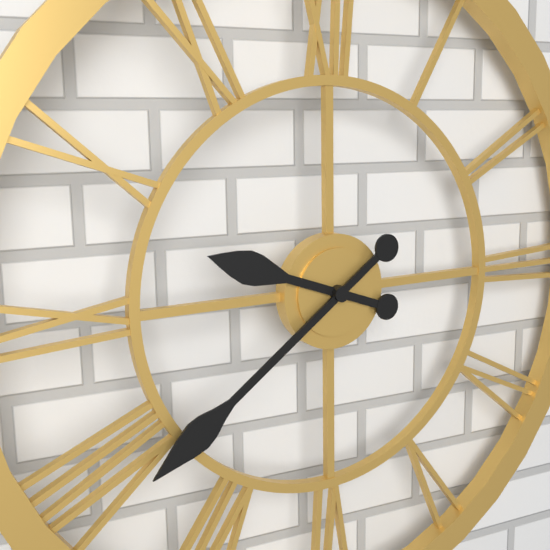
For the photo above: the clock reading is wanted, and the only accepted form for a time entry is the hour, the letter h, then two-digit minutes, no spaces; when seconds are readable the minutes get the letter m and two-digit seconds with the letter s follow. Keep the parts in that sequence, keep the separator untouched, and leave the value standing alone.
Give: 9h39
